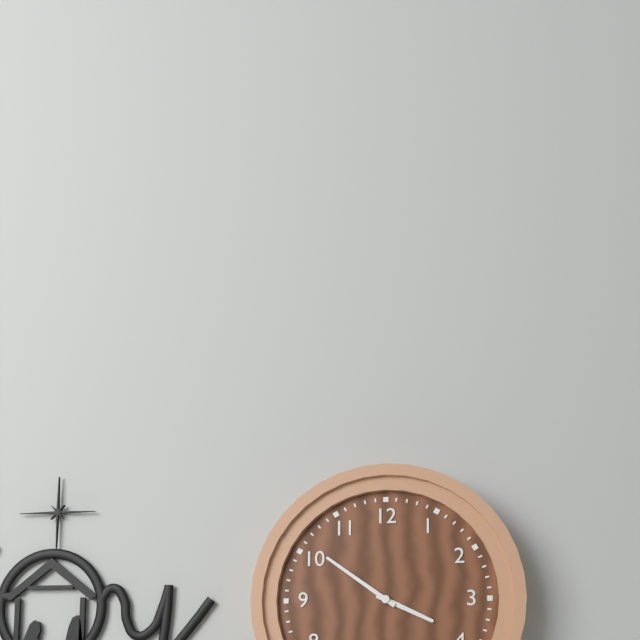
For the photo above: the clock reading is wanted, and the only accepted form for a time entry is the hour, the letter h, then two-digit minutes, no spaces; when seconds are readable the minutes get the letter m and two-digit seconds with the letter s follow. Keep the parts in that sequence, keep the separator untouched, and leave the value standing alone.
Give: 3h51
